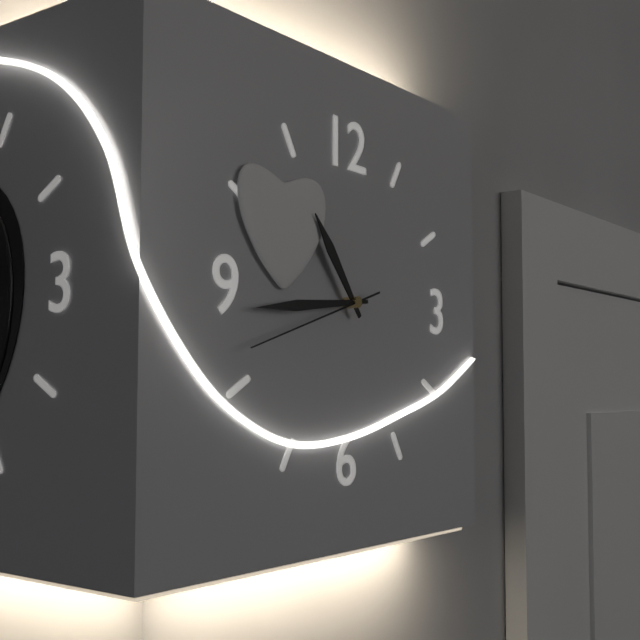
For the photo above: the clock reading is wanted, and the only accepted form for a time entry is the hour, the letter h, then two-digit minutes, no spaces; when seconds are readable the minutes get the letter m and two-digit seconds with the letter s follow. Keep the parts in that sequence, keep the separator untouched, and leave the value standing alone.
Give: 10h44m42s
